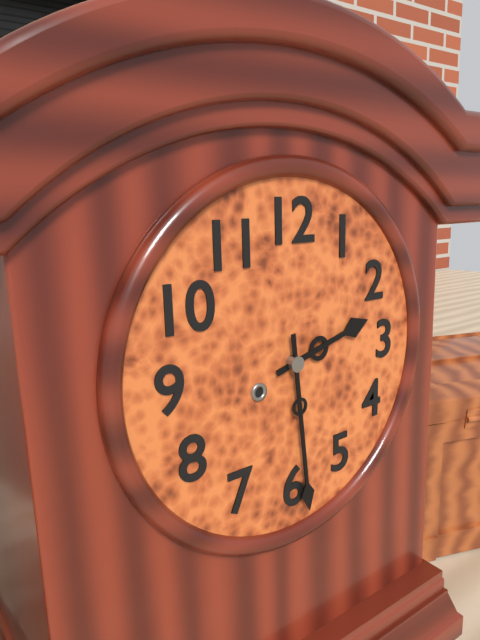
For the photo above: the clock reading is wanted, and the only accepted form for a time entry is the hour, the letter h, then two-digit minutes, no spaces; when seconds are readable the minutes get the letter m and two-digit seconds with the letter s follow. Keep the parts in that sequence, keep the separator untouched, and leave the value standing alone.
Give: 2h29
